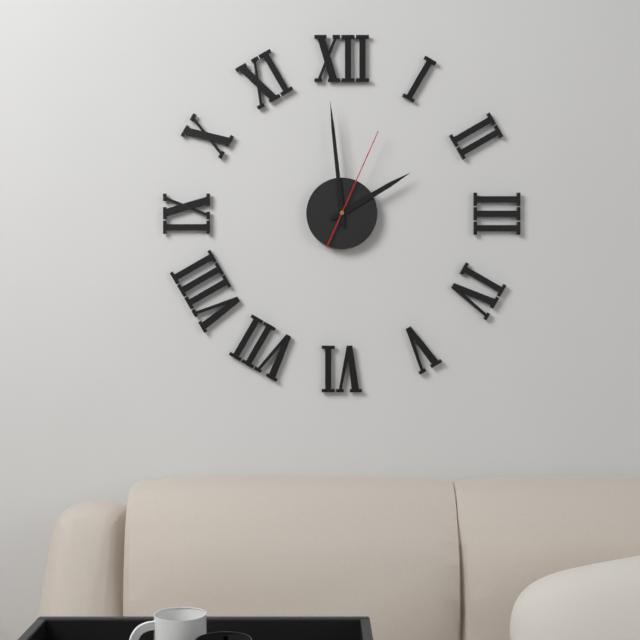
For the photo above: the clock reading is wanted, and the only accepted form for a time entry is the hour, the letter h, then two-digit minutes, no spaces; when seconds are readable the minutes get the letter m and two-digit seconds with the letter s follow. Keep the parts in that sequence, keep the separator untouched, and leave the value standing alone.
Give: 1h59m04s
